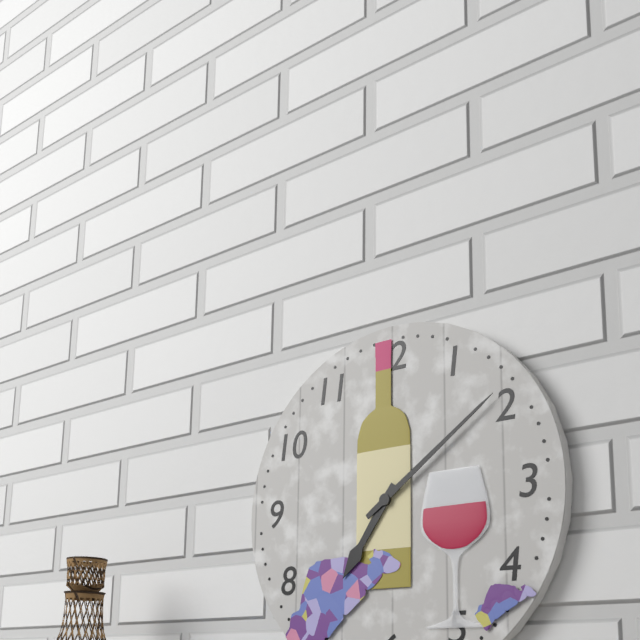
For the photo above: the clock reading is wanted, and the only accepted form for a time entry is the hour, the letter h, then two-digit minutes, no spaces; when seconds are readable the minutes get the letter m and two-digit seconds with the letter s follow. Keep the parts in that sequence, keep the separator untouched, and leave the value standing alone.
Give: 7h09
